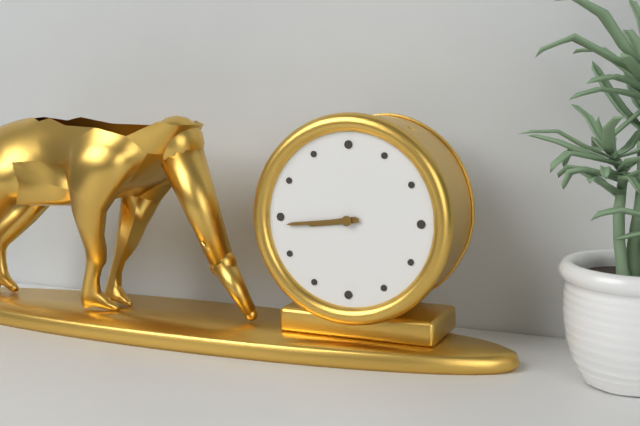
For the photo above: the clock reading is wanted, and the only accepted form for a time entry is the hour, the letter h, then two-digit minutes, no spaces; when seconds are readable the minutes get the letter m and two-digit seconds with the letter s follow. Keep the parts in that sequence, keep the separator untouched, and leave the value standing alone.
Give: 8h44
